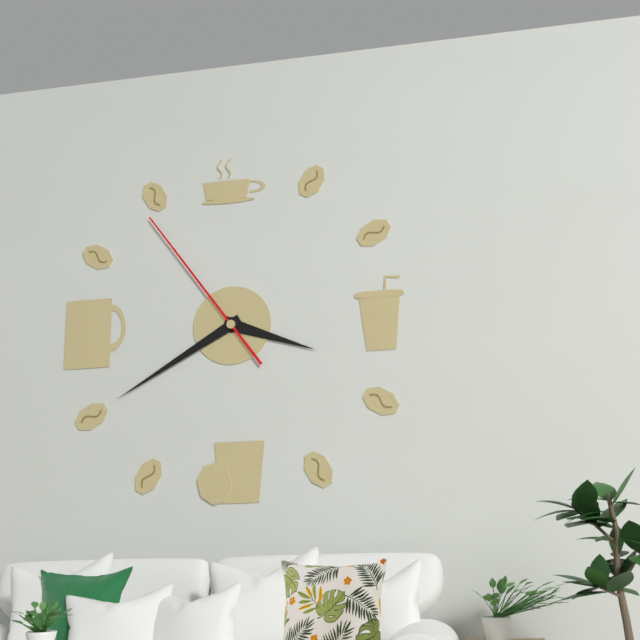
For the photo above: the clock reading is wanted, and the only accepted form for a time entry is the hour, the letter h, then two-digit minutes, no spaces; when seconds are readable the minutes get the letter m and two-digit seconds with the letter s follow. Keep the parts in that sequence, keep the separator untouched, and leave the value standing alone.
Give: 3h40m54s
